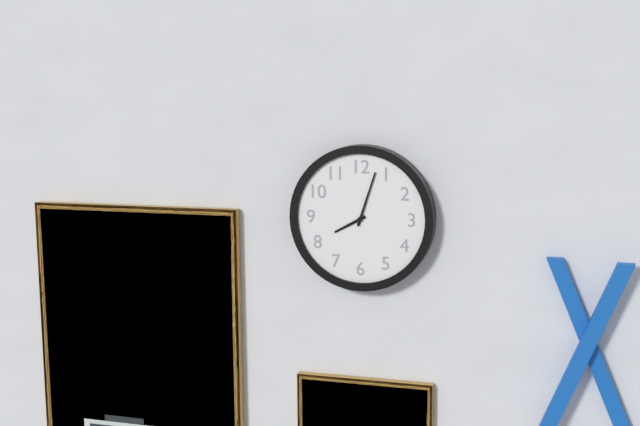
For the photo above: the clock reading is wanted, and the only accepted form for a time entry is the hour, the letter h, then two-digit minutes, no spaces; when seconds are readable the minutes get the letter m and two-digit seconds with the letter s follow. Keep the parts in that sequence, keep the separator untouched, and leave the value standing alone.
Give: 8h03
